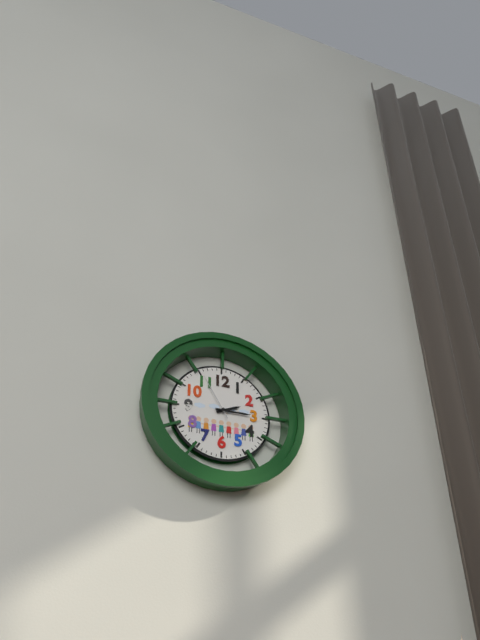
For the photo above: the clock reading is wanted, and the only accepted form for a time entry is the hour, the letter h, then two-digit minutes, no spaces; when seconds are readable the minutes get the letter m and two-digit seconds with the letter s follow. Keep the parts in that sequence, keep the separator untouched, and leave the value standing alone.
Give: 2h15
